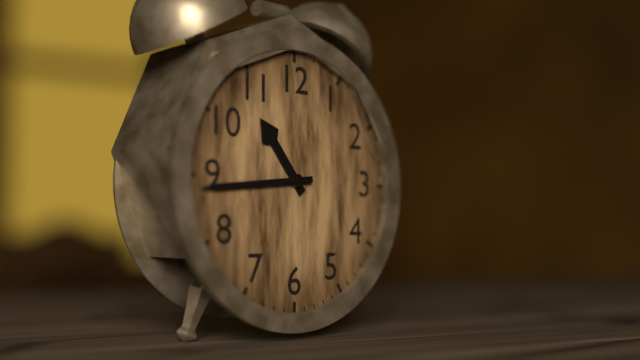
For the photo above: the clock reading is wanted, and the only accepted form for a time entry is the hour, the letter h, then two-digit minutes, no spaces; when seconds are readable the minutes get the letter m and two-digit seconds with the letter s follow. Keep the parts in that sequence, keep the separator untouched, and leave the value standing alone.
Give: 10h44
